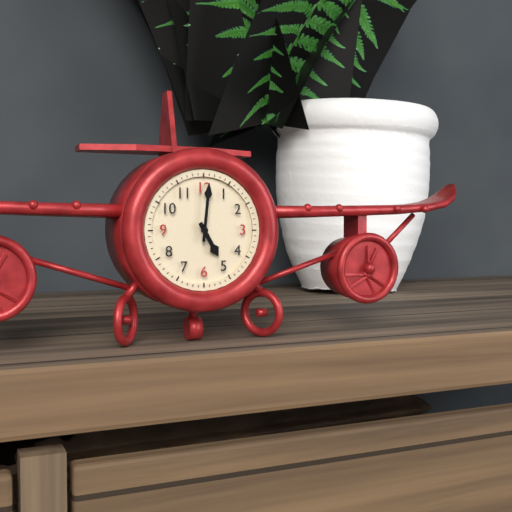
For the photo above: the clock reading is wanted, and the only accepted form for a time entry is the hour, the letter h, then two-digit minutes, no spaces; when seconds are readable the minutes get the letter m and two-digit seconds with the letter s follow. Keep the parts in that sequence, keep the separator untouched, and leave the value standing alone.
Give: 5h01
